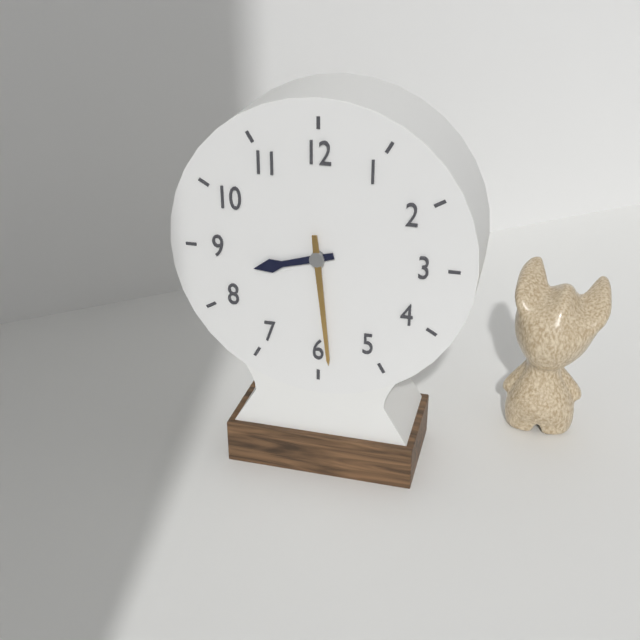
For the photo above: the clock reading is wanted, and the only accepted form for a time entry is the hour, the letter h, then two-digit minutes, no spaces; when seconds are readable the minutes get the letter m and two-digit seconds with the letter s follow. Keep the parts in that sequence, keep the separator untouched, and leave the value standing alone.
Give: 8h29
